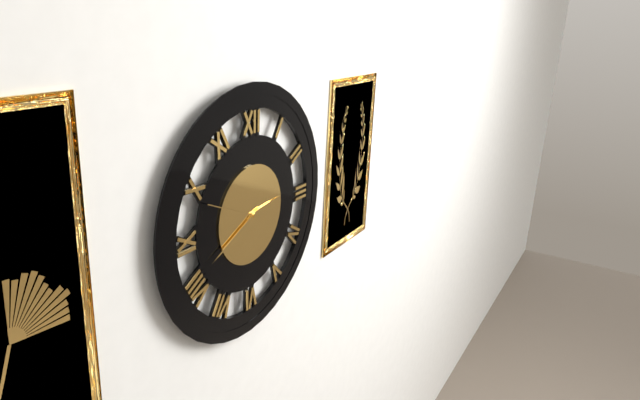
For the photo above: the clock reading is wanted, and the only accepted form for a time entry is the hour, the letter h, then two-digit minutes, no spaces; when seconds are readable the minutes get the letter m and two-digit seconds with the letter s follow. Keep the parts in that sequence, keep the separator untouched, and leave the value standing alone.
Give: 2h41
